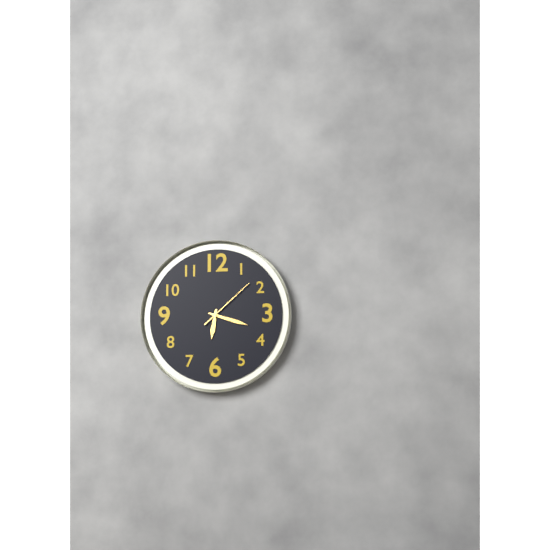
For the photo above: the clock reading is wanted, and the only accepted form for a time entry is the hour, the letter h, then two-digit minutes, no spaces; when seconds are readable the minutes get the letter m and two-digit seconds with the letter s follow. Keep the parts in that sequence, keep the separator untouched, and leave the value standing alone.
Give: 6h18m08s
